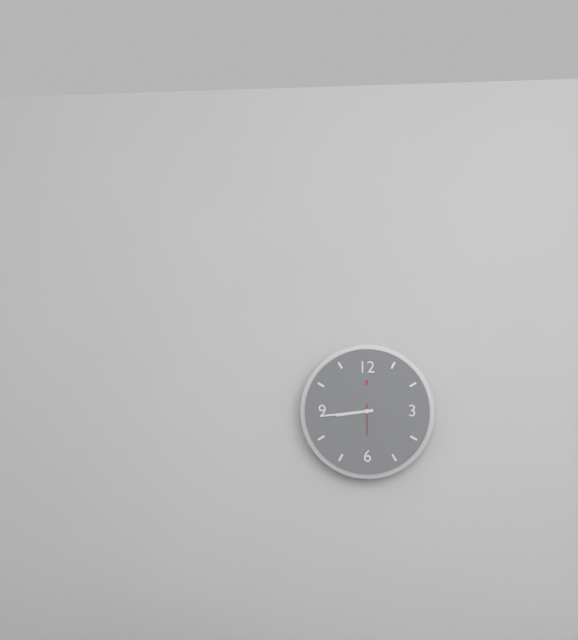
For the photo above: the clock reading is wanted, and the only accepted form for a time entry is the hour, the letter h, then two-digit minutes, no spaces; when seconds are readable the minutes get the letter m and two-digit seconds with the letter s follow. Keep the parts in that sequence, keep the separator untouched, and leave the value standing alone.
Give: 8h44
